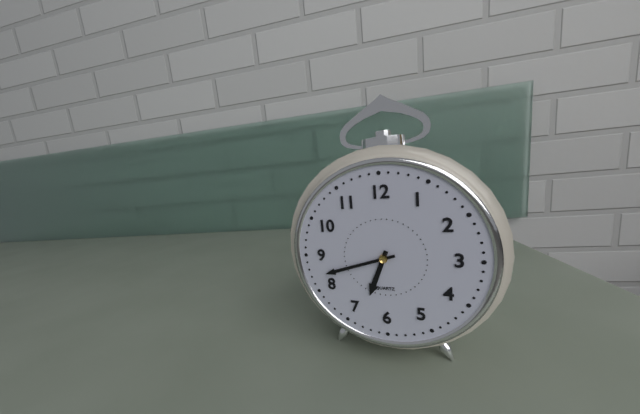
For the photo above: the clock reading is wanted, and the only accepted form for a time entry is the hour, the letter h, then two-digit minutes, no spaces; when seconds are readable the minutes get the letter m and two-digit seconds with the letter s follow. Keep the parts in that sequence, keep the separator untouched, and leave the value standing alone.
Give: 6h42
